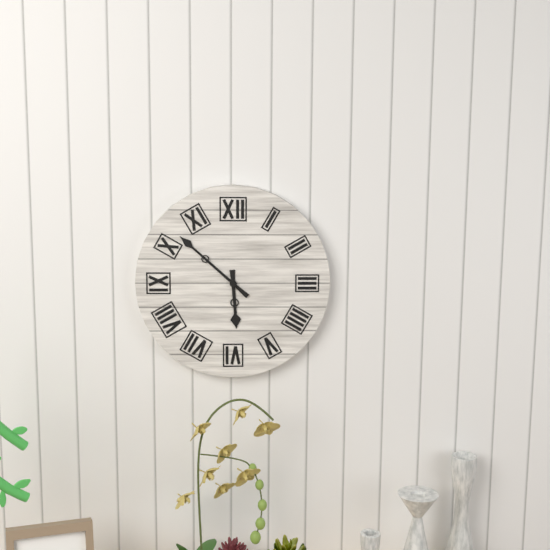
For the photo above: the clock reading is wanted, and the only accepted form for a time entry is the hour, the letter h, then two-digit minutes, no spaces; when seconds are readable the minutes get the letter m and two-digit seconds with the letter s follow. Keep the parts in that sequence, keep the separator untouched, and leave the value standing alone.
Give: 5h52
